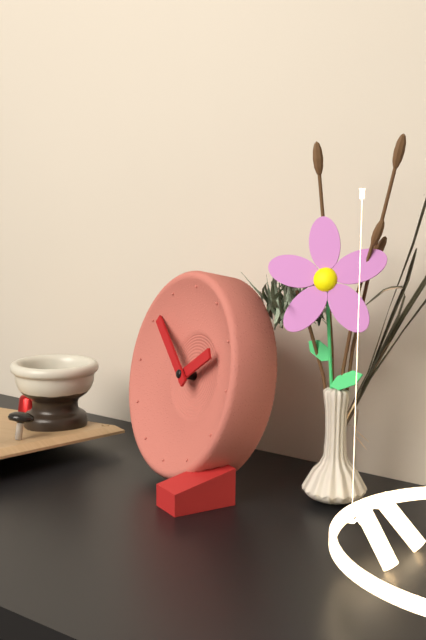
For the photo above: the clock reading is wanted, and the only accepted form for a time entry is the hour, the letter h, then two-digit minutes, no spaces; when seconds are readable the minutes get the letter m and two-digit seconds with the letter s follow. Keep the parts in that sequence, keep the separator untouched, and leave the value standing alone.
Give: 1h51
